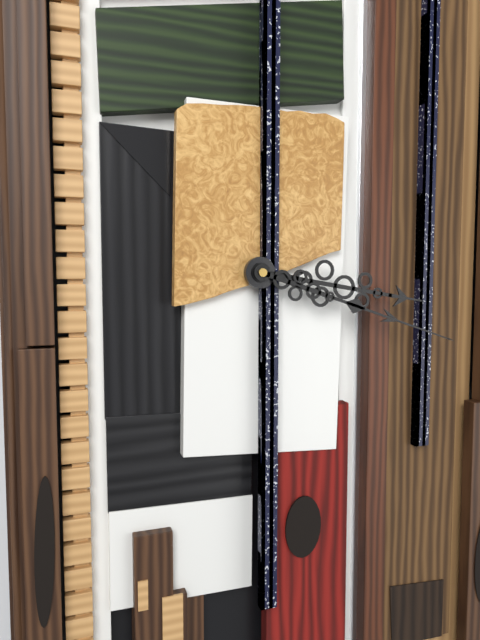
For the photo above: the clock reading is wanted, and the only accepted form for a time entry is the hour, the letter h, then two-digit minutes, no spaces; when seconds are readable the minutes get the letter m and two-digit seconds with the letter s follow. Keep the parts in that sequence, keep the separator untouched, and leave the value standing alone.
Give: 3h18
